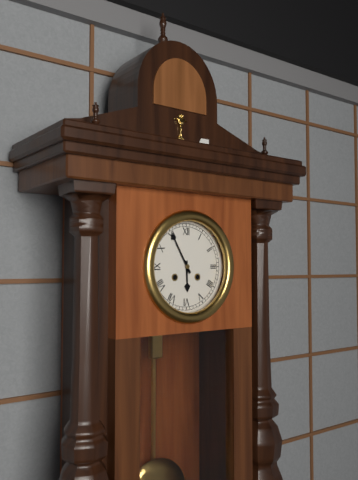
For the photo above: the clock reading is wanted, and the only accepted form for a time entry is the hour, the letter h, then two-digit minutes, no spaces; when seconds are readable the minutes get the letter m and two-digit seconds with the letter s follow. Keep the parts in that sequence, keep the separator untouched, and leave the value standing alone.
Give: 5h55
